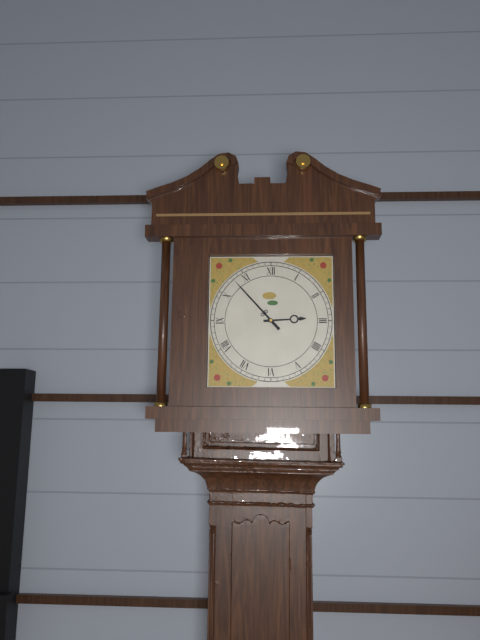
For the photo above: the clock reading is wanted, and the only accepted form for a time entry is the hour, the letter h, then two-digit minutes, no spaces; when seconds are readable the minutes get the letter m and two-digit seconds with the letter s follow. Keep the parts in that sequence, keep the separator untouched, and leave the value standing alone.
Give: 2h53
